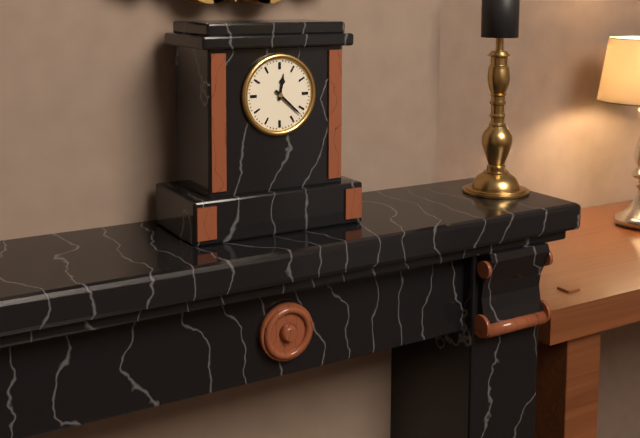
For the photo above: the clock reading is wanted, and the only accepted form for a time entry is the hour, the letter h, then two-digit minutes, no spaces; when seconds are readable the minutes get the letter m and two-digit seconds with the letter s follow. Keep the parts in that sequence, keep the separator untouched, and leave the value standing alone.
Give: 12h22
